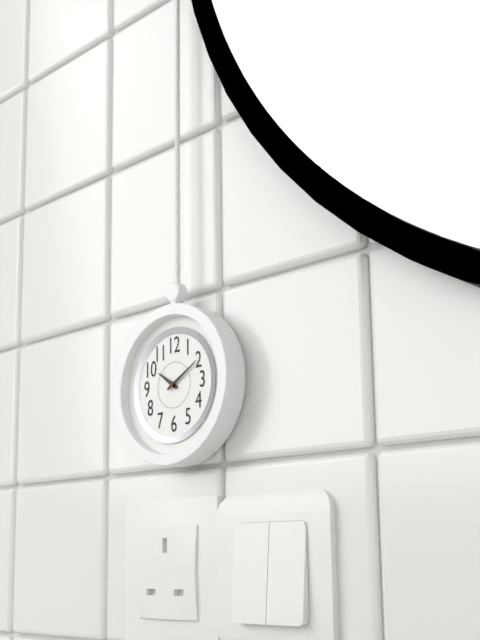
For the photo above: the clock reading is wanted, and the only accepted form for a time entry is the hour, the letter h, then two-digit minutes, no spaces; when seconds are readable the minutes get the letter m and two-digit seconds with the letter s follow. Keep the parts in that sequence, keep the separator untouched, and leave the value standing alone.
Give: 10h10
